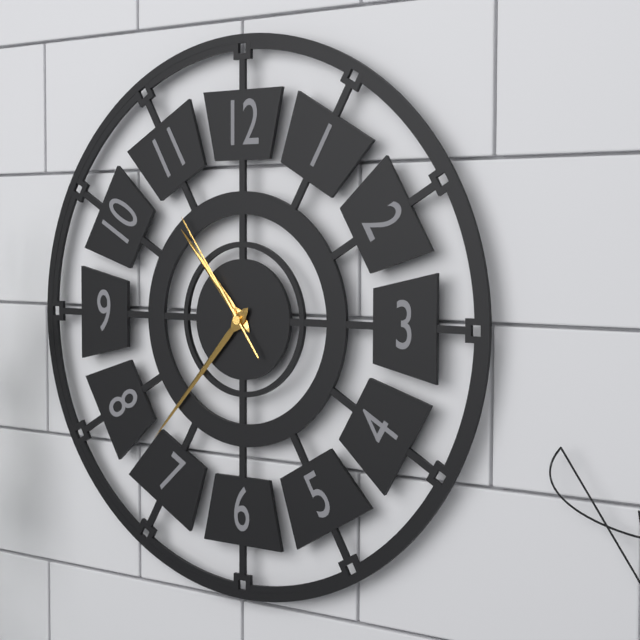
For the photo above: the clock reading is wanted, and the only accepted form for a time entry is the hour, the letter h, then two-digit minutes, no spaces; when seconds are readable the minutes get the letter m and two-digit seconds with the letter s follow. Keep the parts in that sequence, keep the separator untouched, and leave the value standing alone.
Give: 10h37m54s
